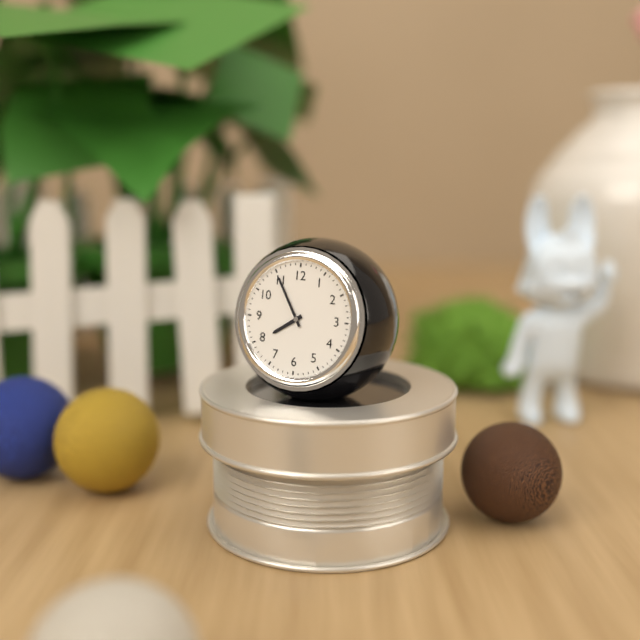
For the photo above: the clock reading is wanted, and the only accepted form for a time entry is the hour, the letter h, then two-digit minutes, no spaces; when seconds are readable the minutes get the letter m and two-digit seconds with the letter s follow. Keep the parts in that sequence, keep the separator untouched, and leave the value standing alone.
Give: 7h55
